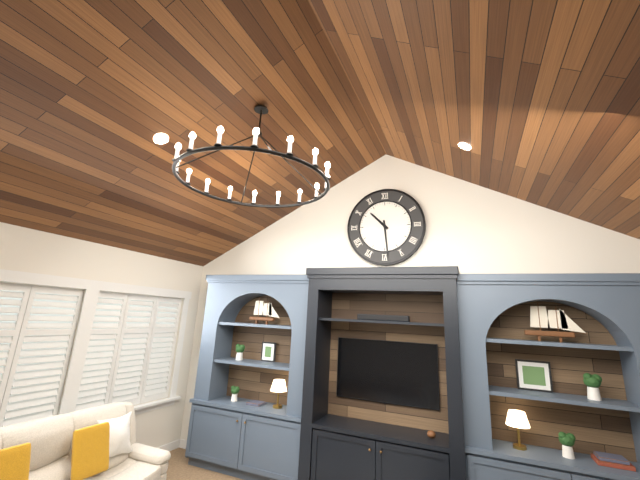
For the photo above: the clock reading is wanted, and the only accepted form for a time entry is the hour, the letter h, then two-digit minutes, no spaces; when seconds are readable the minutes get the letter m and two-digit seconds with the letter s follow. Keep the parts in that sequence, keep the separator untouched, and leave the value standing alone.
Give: 10h29
